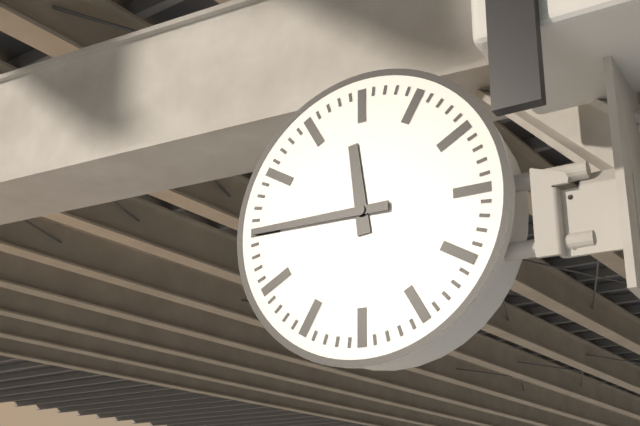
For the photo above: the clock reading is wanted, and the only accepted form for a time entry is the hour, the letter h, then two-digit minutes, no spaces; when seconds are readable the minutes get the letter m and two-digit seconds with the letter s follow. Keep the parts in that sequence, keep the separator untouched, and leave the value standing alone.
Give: 11h45
